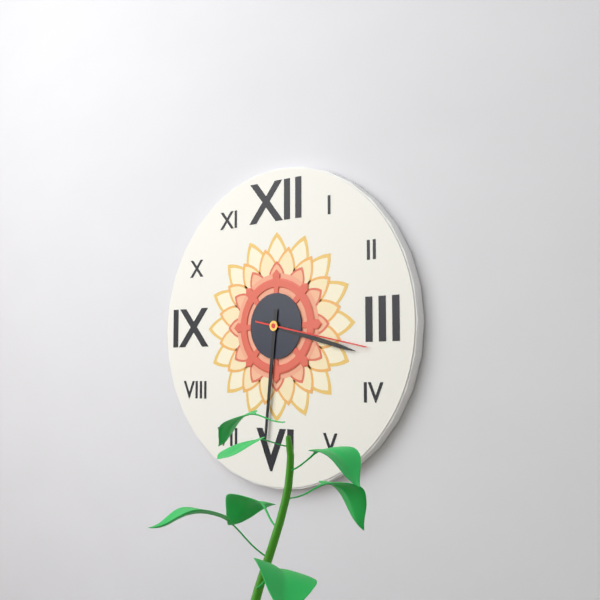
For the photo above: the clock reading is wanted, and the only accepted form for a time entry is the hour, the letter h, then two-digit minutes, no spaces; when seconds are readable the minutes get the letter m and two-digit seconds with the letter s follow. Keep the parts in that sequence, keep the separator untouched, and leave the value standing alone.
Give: 3h31m17s
